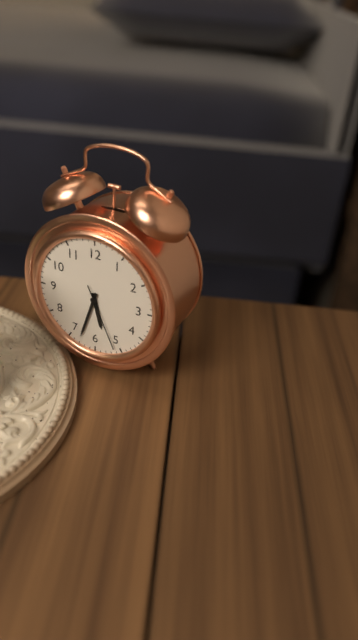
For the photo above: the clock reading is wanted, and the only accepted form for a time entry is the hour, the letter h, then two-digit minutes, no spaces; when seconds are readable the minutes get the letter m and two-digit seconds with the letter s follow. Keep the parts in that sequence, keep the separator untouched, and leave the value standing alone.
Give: 5h33m26s
